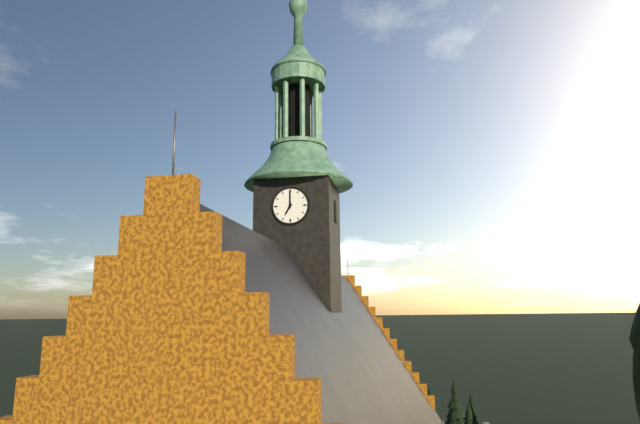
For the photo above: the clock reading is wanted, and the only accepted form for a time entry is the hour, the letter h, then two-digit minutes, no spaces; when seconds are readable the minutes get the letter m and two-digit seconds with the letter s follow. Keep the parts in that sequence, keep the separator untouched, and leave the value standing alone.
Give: 7h00
